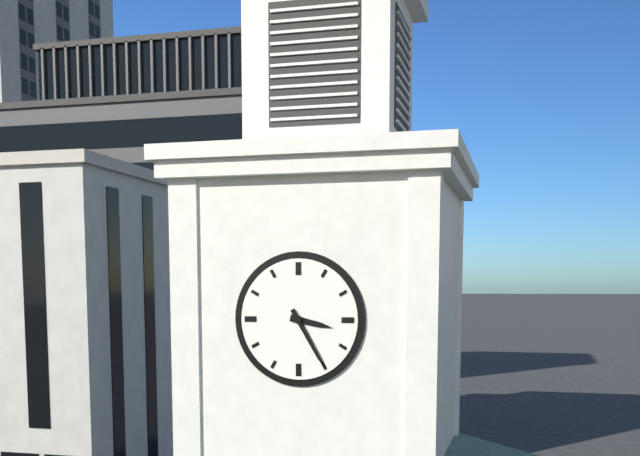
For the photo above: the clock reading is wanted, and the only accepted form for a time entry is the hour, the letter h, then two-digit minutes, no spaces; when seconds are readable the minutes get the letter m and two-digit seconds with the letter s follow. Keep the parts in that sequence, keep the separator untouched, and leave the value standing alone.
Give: 3h25
